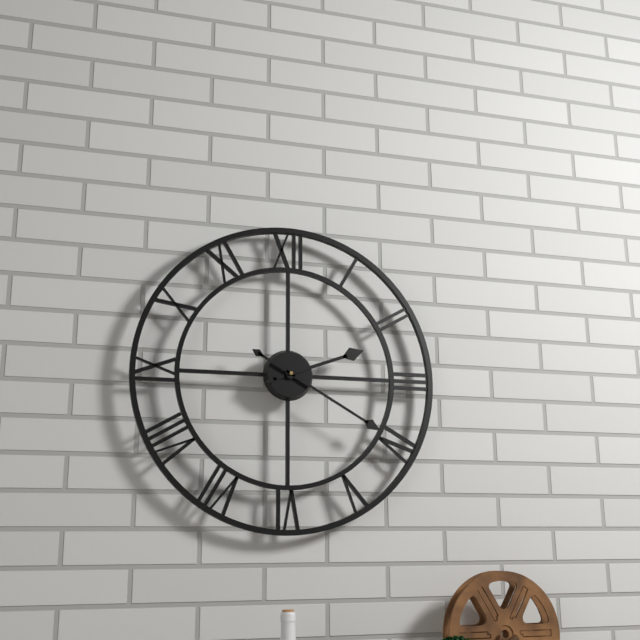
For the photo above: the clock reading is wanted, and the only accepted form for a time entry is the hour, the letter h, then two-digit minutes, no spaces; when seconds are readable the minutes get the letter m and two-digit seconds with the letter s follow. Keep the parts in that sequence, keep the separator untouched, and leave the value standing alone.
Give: 2h20
